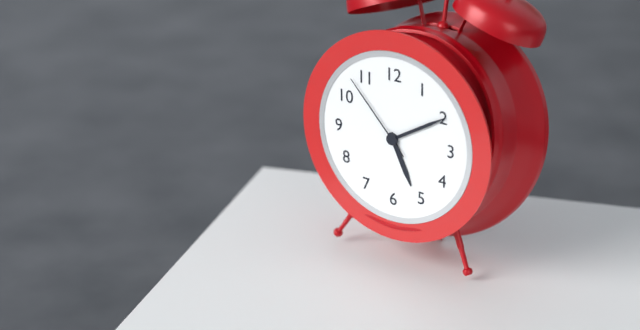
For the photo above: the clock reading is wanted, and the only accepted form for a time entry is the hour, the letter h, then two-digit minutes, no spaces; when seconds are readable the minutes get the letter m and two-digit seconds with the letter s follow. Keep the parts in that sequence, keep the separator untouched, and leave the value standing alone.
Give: 5h10m53s
